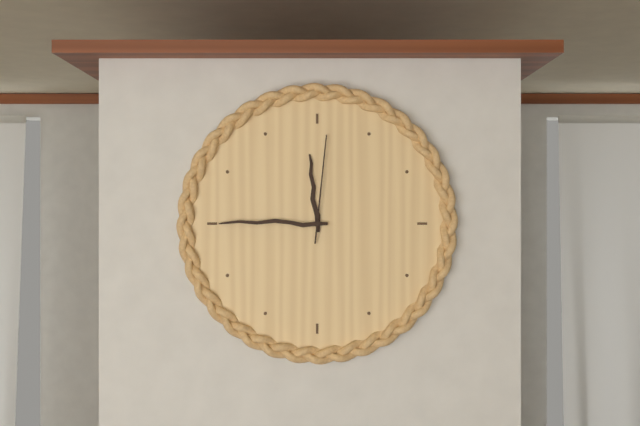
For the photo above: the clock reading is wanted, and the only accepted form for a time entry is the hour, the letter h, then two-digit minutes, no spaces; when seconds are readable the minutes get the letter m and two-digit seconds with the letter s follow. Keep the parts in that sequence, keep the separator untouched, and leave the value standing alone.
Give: 11h45m01s
